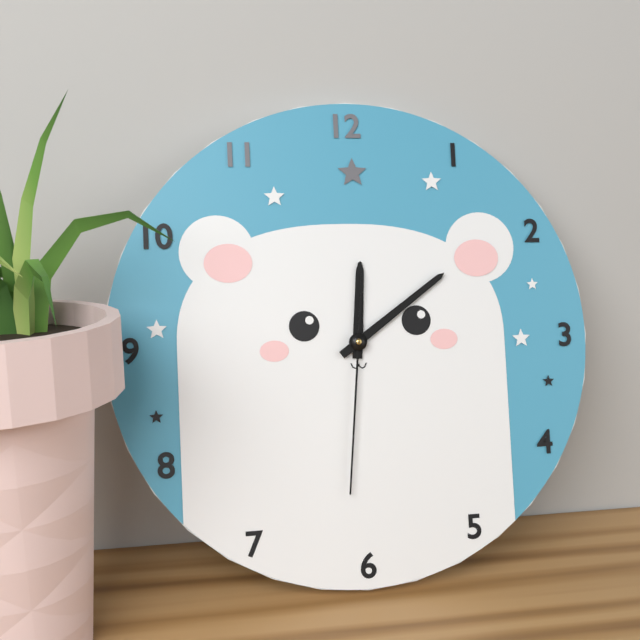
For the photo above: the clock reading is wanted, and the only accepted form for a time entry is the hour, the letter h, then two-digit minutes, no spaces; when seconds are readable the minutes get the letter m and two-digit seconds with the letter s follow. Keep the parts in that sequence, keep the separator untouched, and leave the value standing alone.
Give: 12h09m31s
